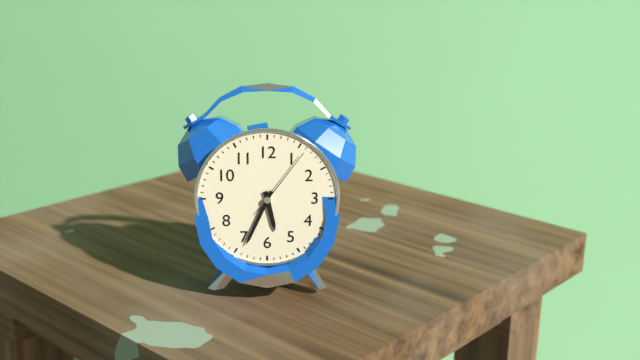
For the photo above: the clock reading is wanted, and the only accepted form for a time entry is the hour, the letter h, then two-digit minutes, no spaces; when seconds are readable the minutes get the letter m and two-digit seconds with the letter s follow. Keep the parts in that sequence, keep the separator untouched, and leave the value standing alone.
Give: 5h34m06s
